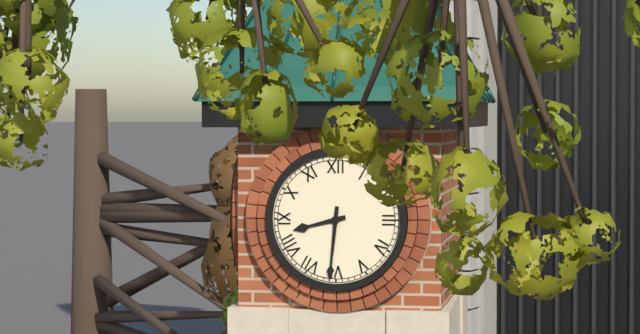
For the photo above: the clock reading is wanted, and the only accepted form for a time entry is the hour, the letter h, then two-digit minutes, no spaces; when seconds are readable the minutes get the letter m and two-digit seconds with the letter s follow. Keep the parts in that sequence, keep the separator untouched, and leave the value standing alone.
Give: 8h31
